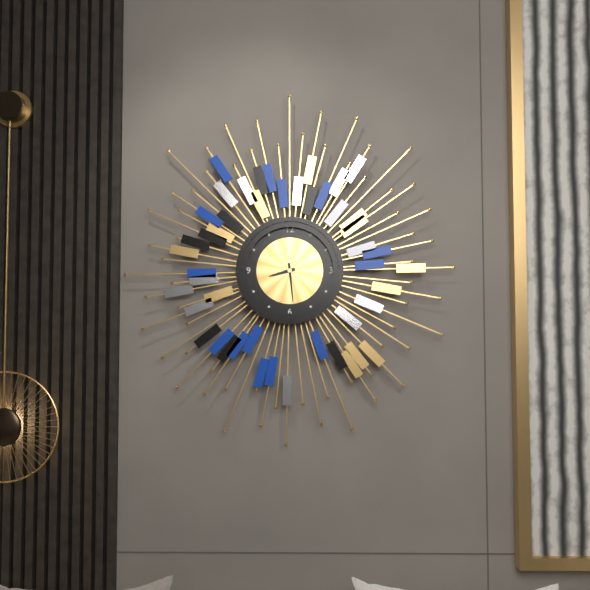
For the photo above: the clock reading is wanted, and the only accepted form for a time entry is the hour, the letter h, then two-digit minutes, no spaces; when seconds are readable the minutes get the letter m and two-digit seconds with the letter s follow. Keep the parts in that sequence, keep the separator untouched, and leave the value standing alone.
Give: 8h29
